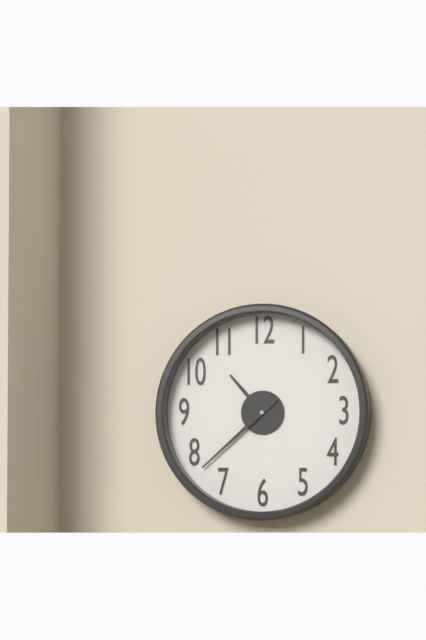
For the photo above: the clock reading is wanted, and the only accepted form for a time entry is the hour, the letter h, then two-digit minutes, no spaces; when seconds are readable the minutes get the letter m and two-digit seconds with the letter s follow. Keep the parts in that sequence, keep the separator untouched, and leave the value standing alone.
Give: 10h38
